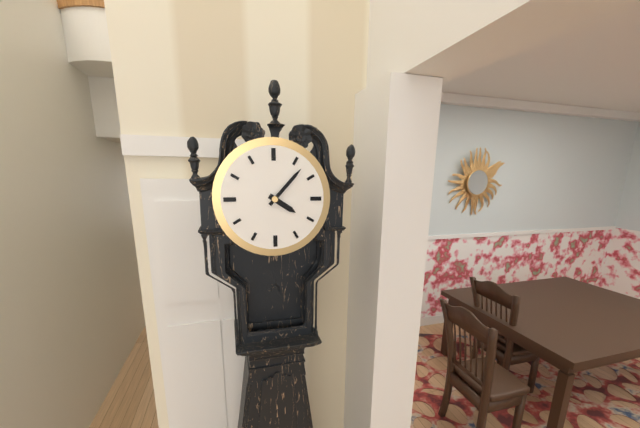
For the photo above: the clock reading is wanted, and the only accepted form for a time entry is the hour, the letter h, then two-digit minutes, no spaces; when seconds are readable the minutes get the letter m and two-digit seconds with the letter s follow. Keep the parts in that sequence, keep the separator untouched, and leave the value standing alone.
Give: 4h07
